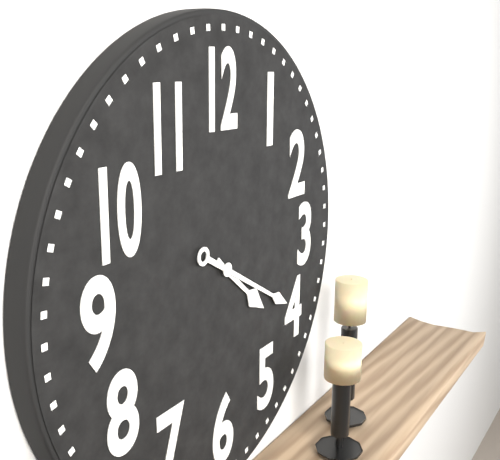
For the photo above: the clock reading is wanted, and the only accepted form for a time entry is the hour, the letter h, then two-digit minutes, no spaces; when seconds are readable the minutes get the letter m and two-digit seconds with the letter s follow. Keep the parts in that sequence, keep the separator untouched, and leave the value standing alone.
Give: 4h20
